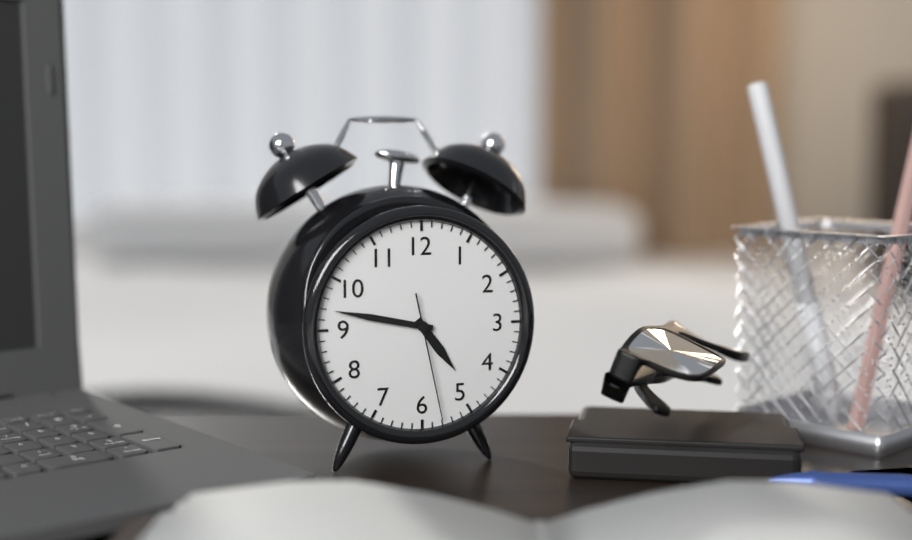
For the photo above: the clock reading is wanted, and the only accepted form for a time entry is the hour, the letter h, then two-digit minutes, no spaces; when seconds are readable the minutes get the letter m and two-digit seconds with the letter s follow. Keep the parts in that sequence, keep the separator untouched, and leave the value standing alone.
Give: 4h47m28s
